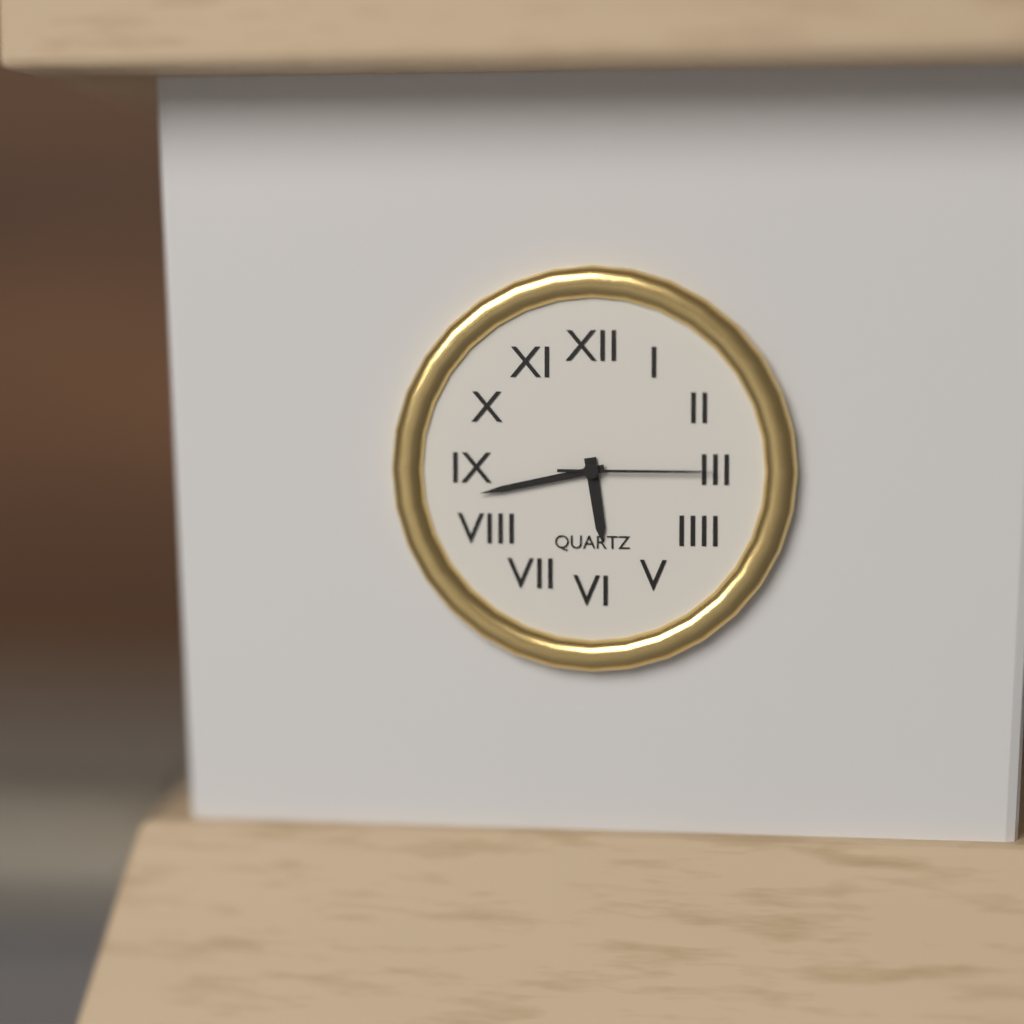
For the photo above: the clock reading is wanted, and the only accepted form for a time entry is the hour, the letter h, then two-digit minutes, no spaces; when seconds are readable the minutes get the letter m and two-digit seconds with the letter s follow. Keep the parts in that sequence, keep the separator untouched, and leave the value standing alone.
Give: 5h43m15s
